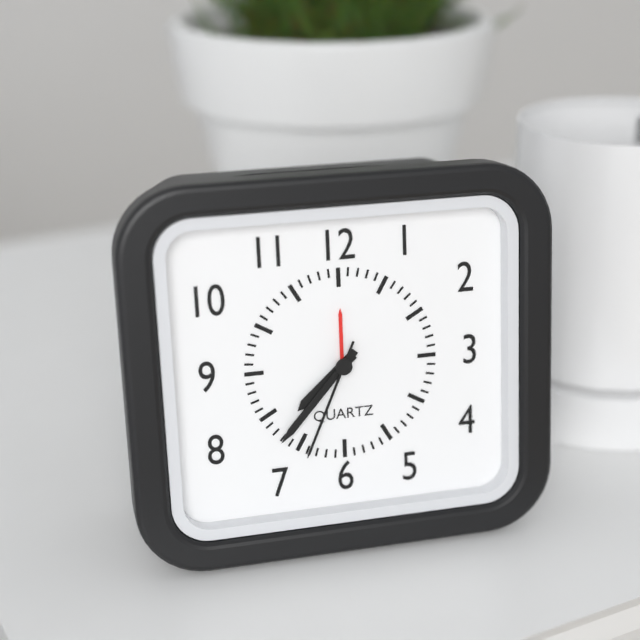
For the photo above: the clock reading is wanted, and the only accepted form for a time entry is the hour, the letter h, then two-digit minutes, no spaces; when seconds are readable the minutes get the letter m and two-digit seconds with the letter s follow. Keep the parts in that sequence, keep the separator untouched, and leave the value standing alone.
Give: 7h37m34s
